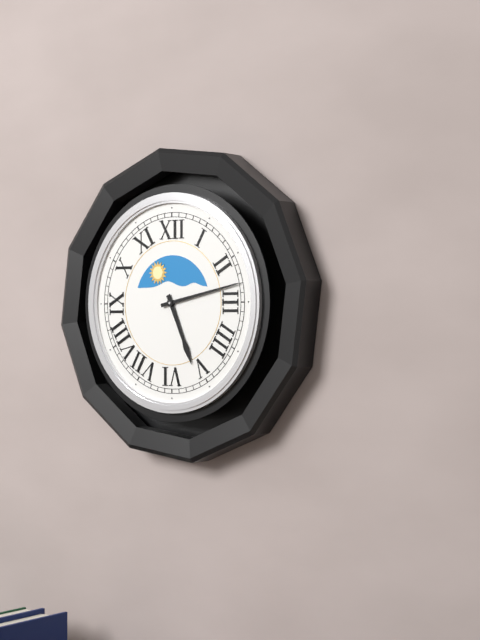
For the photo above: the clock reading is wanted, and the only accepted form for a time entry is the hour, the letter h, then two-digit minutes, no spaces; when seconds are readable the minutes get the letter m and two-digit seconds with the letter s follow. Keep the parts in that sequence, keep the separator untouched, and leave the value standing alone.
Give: 5h13
